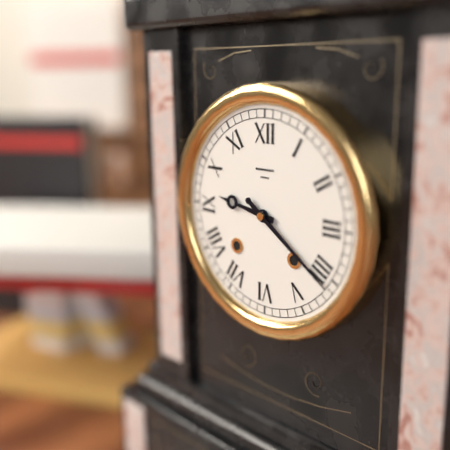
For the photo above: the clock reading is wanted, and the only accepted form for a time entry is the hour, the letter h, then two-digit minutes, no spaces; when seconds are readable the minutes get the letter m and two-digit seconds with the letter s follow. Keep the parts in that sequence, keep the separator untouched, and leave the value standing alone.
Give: 9h21
